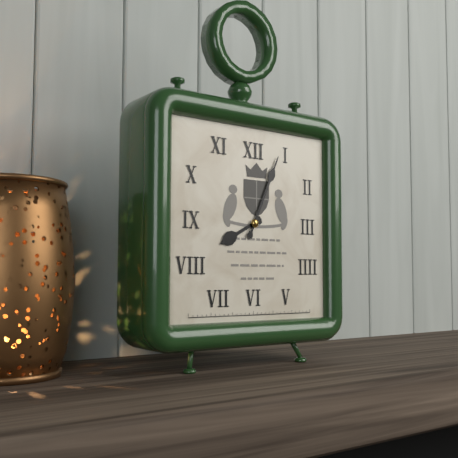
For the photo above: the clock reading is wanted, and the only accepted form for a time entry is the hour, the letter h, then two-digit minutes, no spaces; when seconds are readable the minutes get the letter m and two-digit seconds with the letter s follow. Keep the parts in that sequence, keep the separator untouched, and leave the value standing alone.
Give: 8h04
